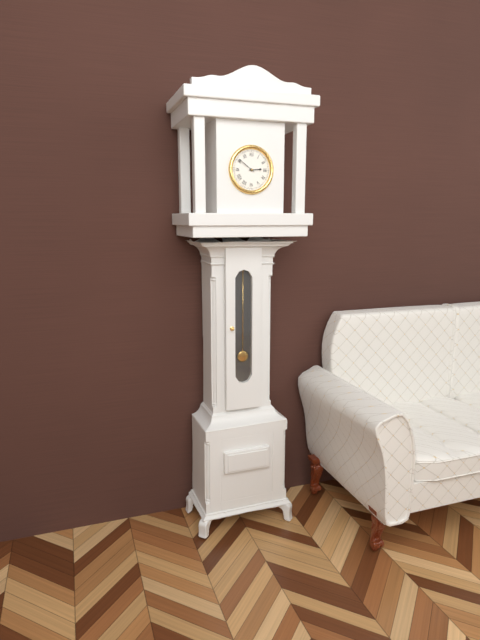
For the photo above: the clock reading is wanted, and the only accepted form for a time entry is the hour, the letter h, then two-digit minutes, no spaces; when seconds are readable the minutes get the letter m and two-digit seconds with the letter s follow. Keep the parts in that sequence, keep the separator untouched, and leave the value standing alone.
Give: 2h51
